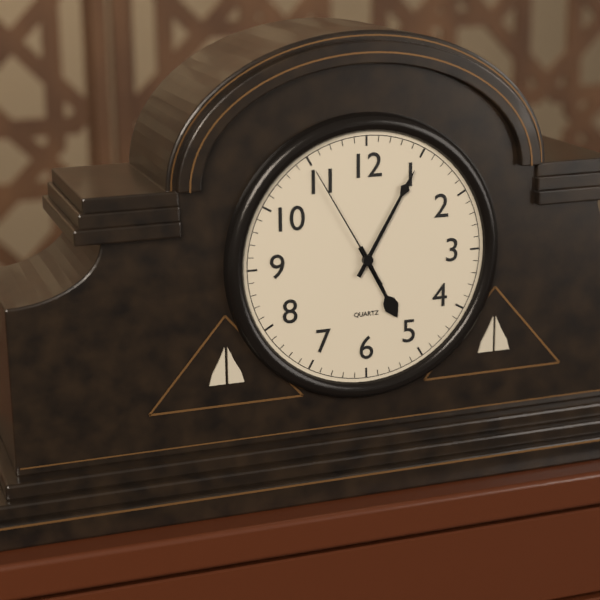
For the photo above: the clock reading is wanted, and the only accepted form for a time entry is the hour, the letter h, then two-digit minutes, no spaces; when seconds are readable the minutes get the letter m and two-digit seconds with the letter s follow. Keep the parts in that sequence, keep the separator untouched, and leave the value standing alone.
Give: 5h05m55s
